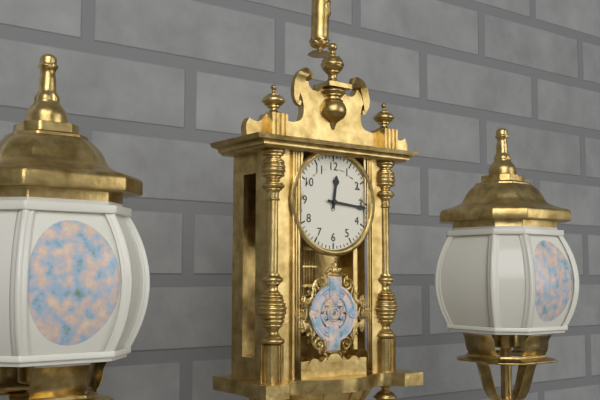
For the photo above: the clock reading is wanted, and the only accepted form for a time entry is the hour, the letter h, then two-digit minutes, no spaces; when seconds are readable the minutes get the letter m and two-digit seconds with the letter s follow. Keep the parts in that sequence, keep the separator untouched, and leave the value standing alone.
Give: 12h16
